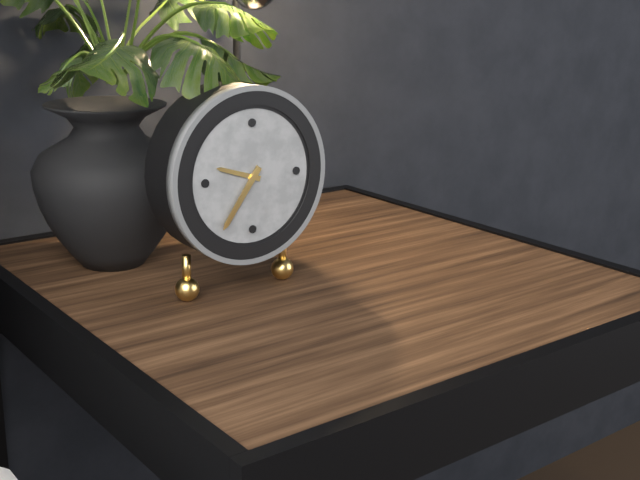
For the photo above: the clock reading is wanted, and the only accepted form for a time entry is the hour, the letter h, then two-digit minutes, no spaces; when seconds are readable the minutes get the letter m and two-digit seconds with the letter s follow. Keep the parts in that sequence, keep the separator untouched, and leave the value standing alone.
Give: 9h36
